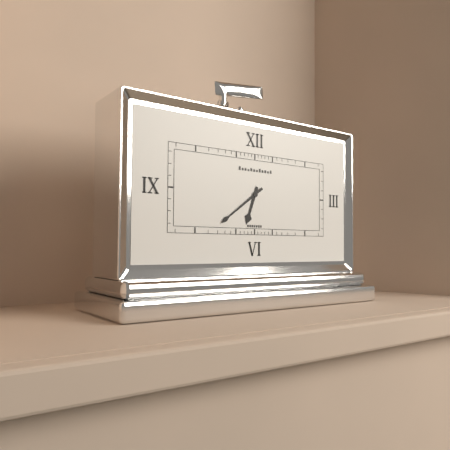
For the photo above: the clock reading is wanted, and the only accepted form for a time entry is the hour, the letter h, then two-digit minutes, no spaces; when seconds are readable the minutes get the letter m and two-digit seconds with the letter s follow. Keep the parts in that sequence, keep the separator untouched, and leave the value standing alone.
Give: 6h39
